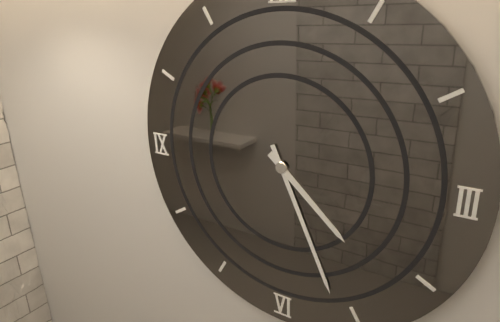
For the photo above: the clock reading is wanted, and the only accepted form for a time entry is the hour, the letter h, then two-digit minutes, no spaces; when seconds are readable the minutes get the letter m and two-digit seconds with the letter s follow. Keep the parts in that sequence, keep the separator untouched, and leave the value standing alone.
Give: 4h26
